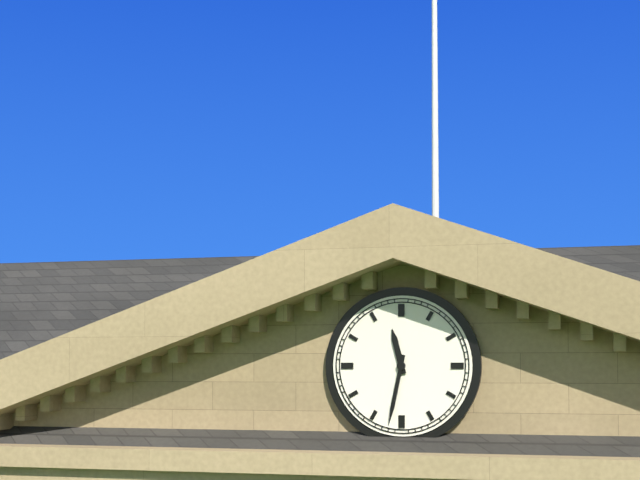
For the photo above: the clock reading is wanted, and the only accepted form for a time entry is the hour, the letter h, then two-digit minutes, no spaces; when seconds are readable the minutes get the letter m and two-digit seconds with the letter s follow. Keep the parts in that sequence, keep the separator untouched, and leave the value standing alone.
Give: 11h32
